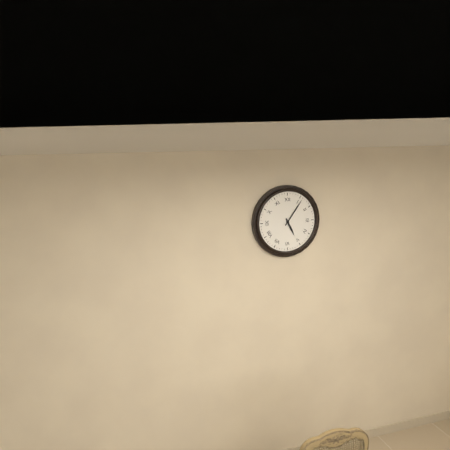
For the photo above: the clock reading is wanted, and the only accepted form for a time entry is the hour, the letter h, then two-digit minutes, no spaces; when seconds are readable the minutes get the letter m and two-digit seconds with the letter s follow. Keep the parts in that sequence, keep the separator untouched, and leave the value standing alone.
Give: 5h06
